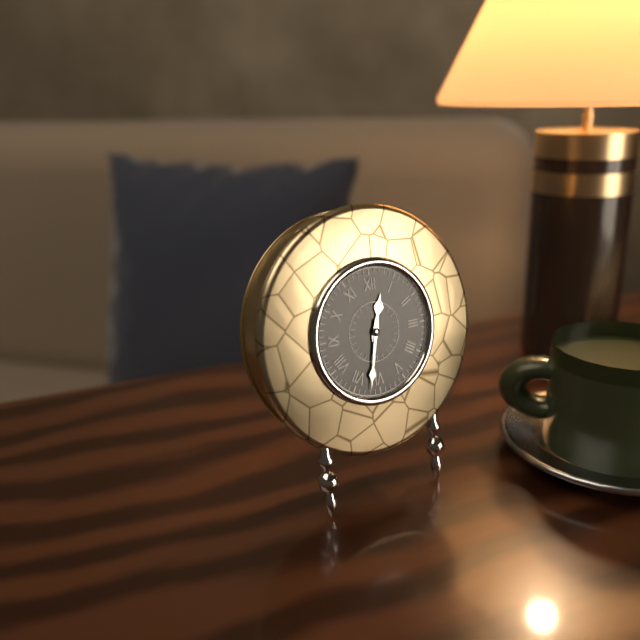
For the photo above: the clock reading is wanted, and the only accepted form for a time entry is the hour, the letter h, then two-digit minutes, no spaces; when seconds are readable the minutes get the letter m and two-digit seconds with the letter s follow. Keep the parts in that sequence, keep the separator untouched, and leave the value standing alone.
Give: 12h32
